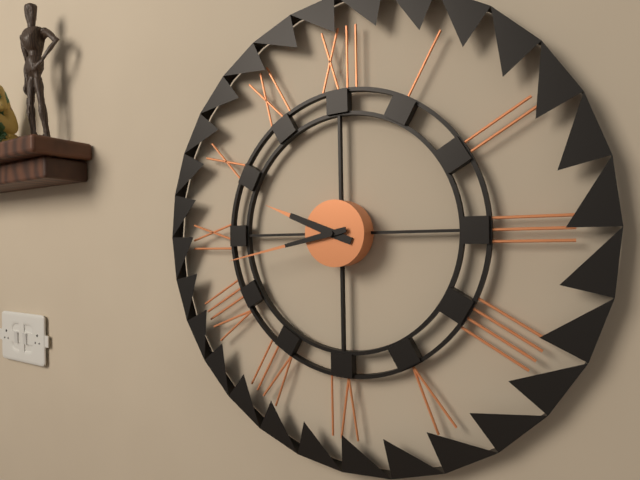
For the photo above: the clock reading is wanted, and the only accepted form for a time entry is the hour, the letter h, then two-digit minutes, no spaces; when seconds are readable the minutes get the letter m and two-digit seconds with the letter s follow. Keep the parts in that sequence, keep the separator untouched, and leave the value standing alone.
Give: 9h43
